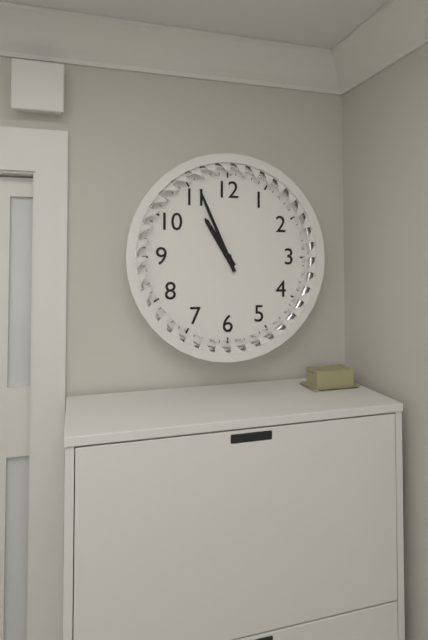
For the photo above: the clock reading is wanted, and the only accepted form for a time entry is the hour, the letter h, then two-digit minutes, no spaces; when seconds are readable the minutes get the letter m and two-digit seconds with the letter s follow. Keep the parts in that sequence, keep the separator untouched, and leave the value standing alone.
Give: 10h56
